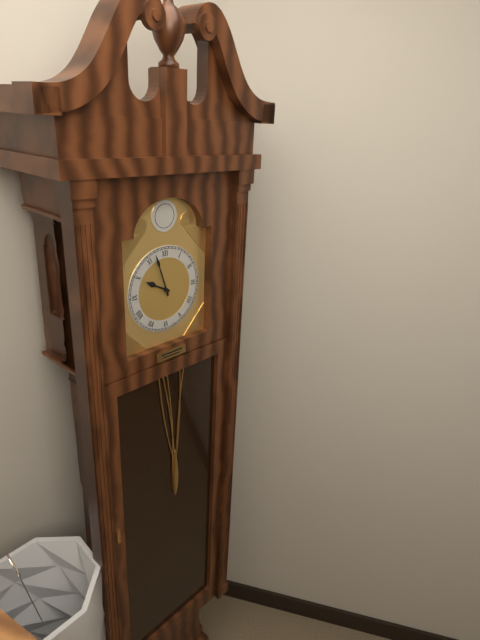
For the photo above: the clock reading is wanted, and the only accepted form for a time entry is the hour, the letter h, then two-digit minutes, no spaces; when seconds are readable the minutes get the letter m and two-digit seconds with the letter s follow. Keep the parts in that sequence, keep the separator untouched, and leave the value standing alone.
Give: 9h57
